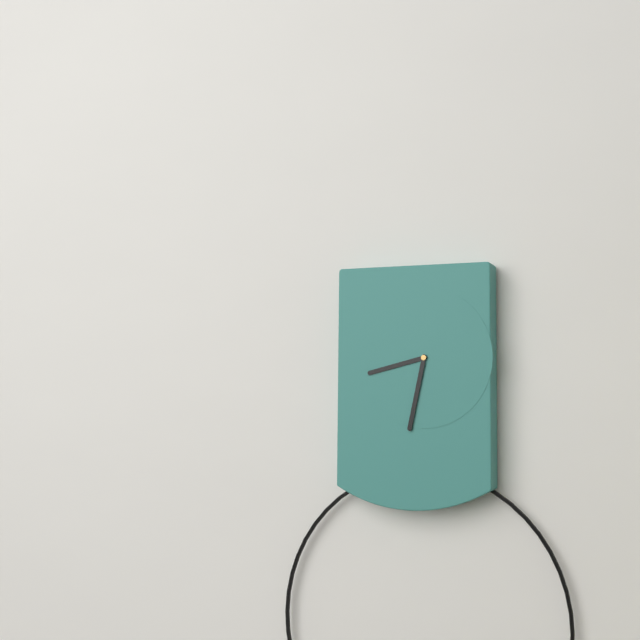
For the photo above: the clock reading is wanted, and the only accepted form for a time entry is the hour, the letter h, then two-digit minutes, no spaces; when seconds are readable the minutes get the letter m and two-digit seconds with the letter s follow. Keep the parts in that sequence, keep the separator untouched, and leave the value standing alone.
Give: 8h32
